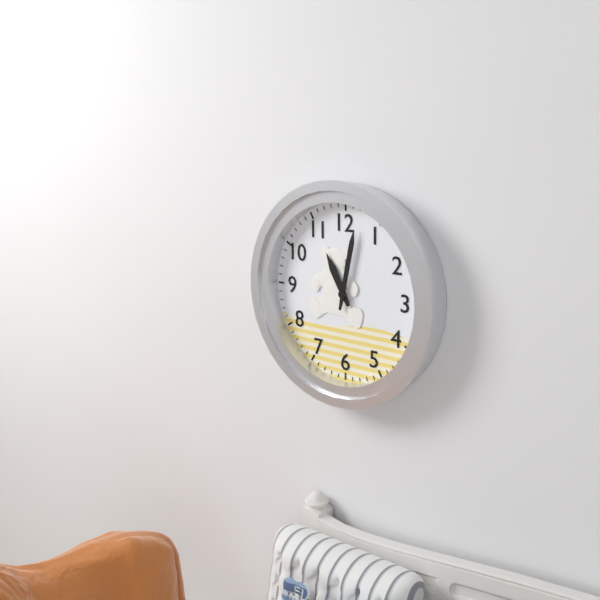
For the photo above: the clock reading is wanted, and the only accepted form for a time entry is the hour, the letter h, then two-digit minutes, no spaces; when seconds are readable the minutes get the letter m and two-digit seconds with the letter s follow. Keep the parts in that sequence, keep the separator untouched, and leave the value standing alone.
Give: 11h02
